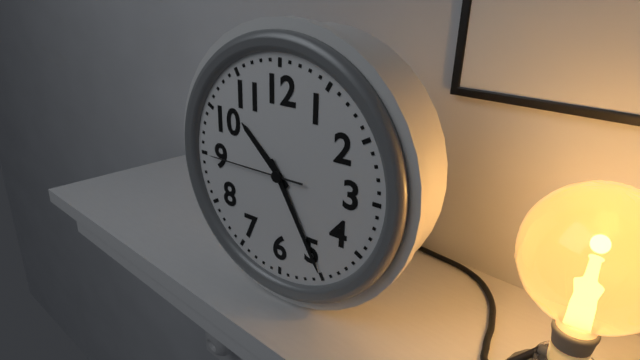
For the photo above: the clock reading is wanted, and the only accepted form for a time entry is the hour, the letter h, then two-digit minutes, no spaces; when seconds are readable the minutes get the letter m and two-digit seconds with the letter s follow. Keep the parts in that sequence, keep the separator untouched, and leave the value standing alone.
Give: 10h25m45s
